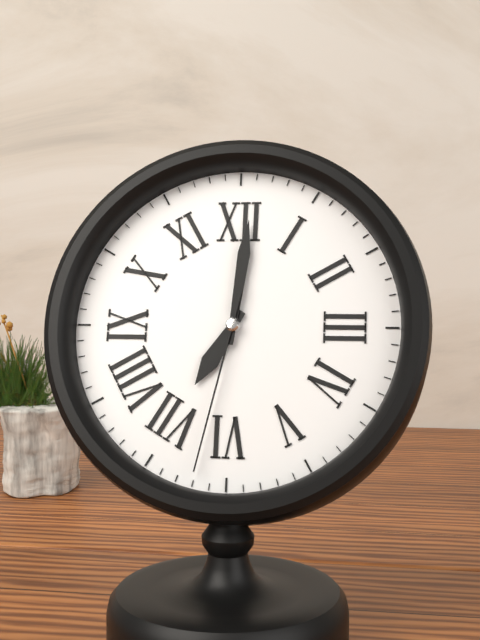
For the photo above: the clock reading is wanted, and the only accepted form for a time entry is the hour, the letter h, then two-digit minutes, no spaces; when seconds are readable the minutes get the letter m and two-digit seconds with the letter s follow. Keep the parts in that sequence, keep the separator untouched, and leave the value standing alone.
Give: 7h01m32s
